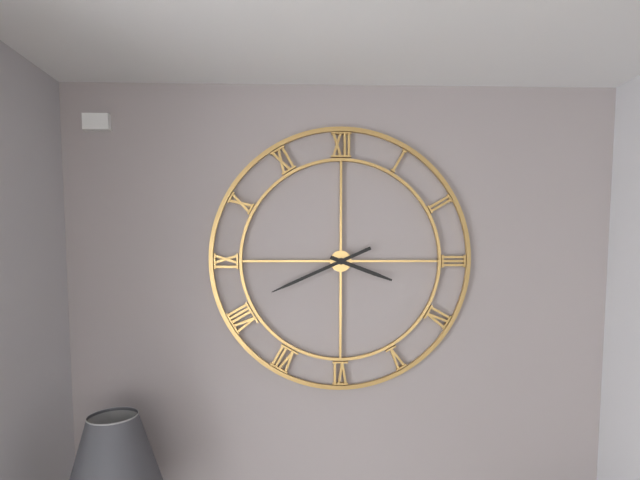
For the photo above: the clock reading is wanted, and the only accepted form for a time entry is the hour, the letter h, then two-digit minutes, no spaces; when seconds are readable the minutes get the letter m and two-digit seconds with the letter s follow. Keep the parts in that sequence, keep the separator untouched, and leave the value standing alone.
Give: 3h41
